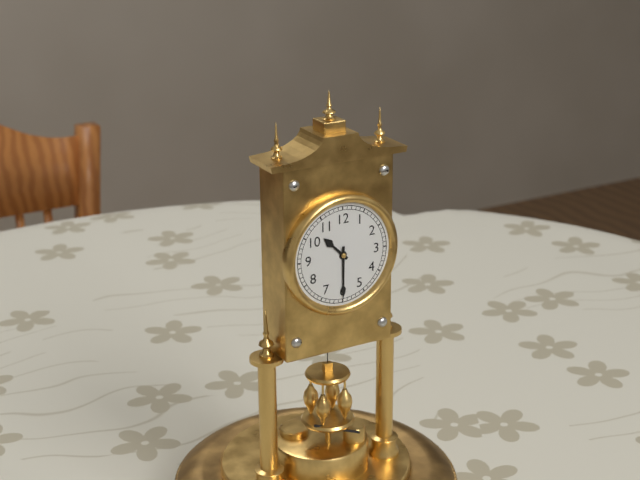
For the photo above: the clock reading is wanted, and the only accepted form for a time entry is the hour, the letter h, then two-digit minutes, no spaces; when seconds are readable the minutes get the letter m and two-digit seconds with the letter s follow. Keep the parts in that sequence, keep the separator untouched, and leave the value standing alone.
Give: 10h30
